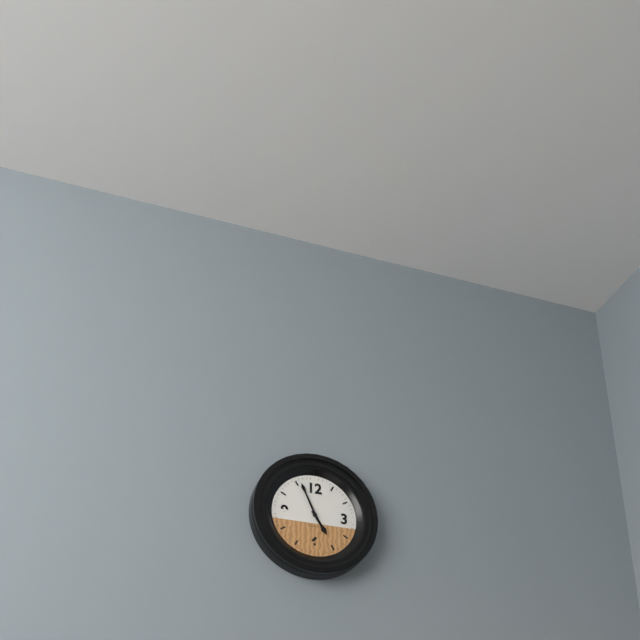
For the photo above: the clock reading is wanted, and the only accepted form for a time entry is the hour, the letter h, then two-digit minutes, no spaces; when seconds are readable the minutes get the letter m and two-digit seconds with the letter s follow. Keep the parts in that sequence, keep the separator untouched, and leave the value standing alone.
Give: 4h56
